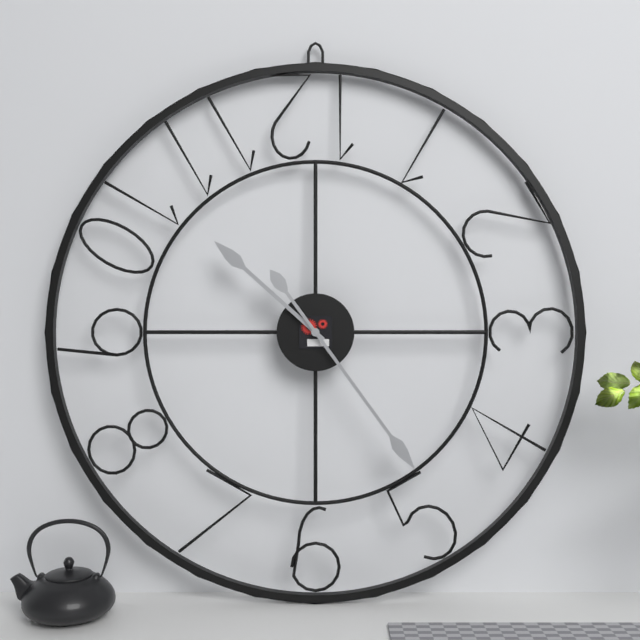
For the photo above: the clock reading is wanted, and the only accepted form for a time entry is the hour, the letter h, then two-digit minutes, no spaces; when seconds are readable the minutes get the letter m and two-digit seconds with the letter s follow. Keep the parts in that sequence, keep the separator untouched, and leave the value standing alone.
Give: 10h24
